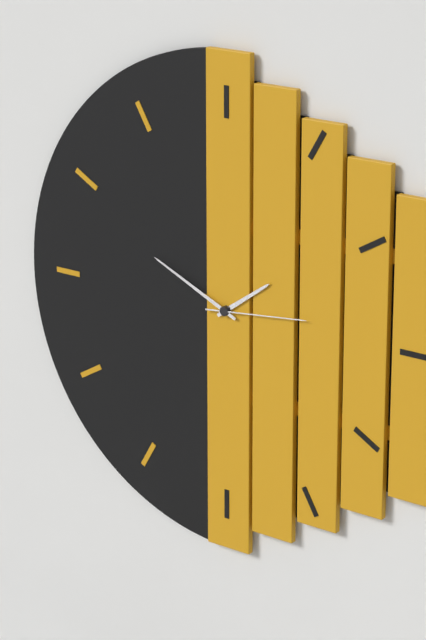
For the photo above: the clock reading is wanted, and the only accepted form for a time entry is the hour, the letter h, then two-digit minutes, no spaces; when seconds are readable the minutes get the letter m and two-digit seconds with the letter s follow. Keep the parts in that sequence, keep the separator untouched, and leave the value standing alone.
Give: 1h49m14s
